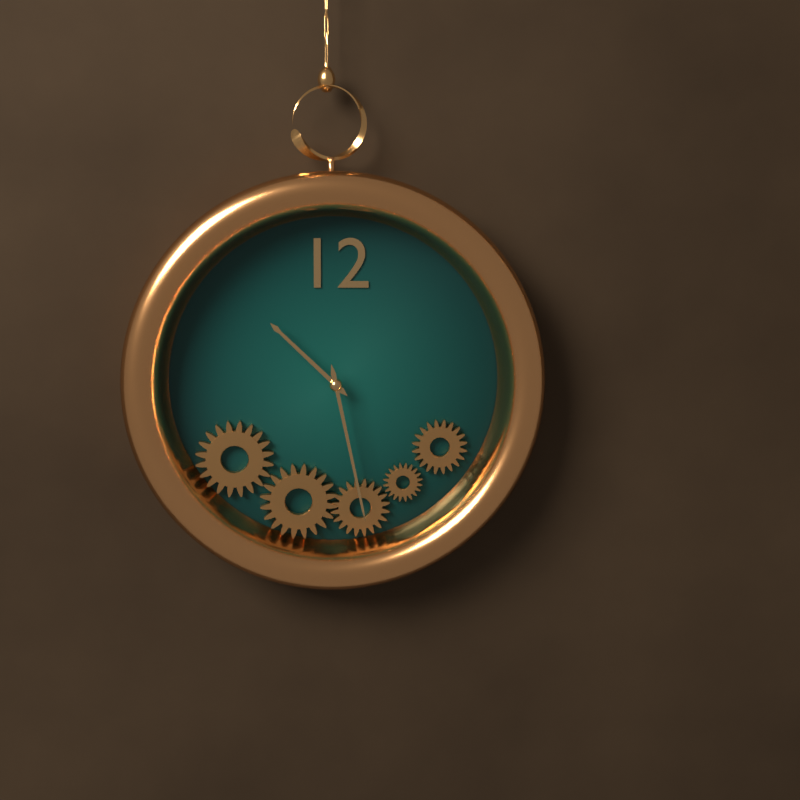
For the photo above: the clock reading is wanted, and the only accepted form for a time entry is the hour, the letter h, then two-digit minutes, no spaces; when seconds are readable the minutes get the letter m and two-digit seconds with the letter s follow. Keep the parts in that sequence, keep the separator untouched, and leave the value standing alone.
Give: 10h28
